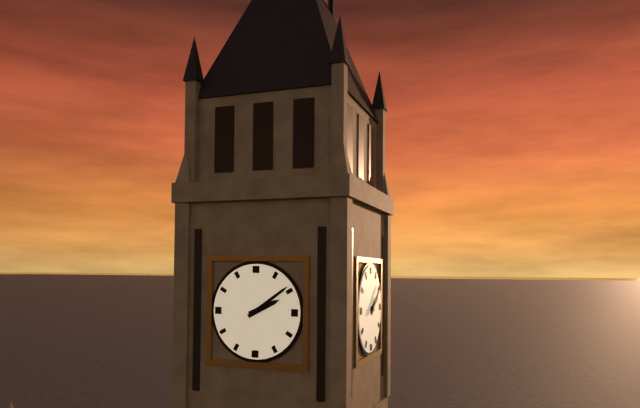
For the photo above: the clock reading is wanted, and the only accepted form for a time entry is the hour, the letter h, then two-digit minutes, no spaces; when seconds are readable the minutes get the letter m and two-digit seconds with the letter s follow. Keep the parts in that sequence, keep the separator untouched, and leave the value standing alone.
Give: 2h09
